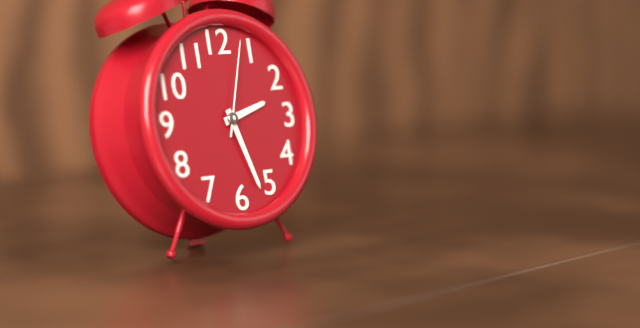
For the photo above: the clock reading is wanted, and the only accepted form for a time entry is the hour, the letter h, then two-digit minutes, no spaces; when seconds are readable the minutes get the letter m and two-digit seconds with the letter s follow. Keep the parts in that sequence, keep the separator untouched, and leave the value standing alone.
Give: 2h27m03s
